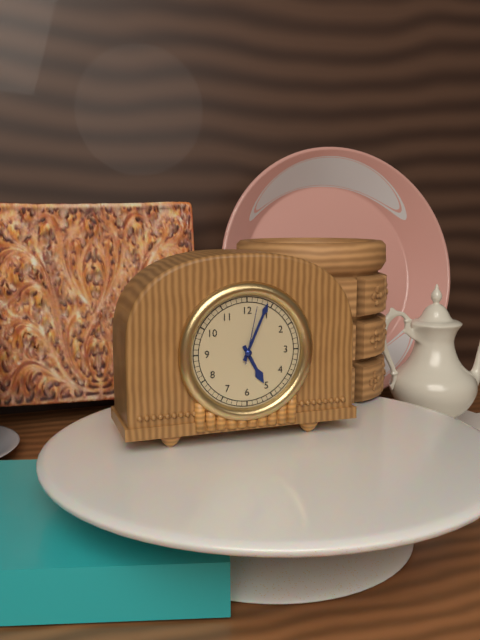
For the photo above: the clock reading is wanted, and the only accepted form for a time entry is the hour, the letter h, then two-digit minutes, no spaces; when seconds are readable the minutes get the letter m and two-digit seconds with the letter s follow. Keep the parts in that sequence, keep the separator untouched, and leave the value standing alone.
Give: 5h04m02s
